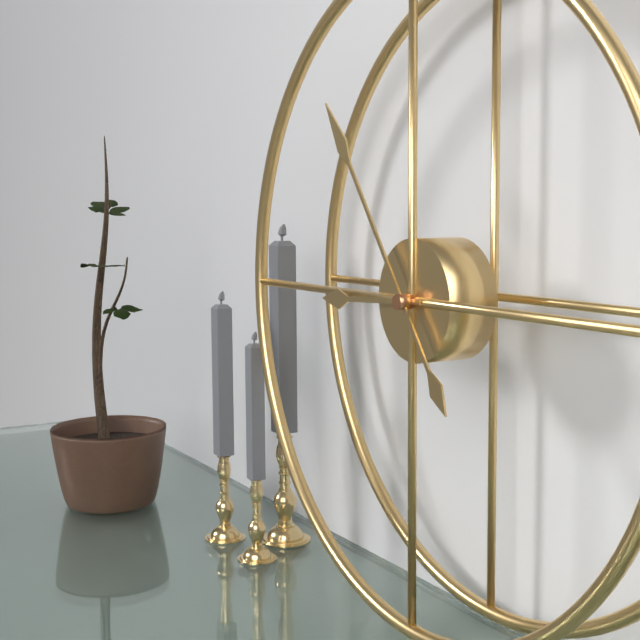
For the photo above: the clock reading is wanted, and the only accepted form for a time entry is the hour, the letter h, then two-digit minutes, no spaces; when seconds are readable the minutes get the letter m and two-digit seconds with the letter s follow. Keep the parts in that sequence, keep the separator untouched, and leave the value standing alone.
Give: 8h54
